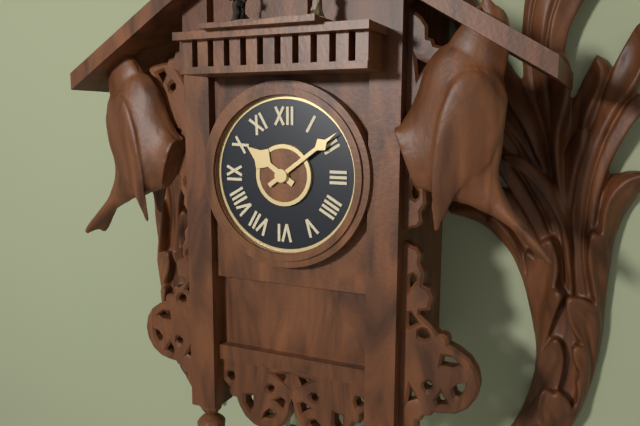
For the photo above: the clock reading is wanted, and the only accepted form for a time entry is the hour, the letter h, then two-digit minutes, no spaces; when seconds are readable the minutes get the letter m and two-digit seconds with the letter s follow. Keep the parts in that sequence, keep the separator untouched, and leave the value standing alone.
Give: 10h09
